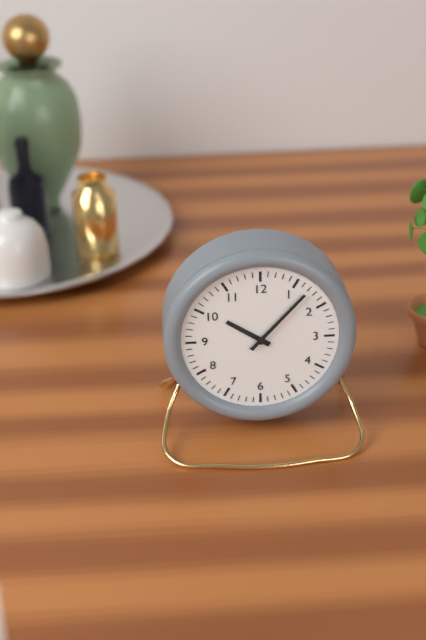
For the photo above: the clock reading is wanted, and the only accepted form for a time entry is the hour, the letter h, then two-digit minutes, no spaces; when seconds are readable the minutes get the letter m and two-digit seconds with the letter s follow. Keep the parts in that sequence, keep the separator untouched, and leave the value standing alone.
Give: 10h07
